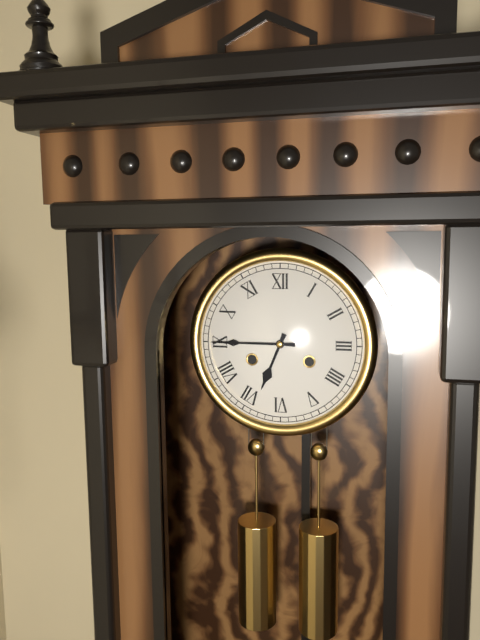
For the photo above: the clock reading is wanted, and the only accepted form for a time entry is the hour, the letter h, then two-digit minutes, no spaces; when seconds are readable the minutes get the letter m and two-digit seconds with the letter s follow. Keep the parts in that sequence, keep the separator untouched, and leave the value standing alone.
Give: 6h45
